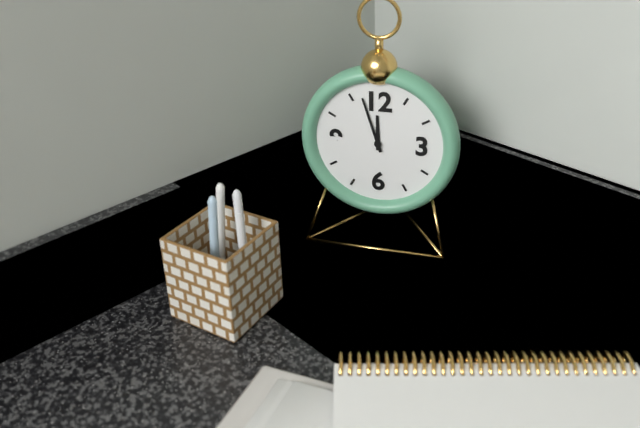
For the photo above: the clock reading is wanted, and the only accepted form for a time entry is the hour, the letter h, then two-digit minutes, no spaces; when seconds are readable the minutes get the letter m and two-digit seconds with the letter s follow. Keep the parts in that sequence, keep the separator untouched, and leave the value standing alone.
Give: 11h57
